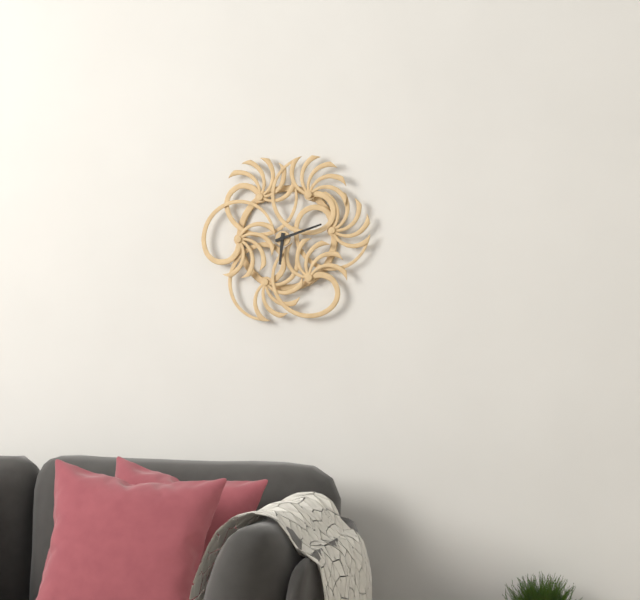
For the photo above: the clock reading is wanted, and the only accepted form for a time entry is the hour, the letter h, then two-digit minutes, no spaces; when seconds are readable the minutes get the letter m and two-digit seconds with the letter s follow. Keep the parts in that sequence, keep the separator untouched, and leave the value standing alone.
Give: 6h12
